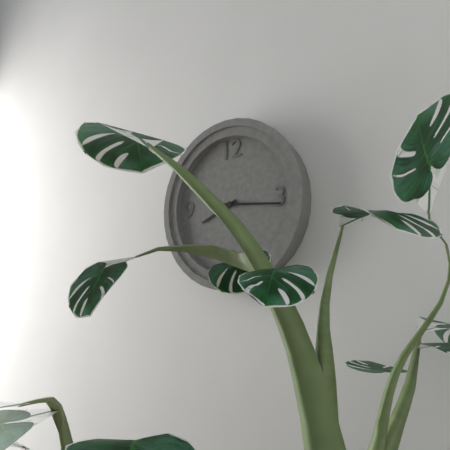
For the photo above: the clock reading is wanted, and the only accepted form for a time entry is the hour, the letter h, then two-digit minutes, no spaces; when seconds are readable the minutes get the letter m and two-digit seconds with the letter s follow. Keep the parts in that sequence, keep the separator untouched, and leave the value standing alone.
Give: 8h16
